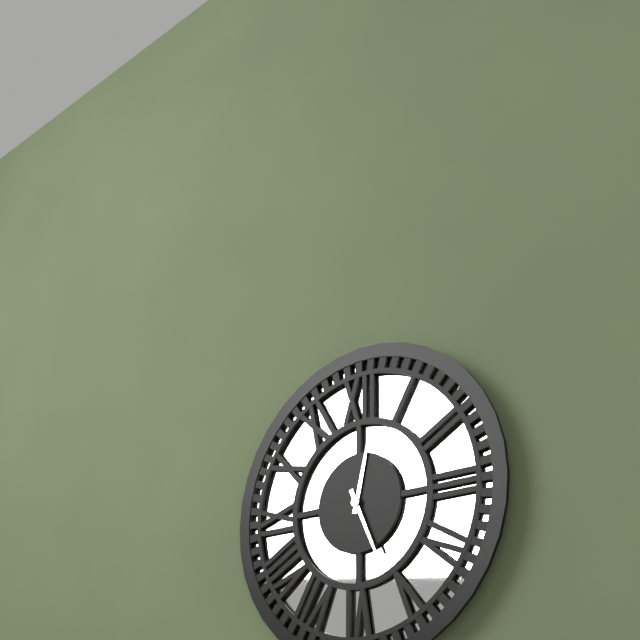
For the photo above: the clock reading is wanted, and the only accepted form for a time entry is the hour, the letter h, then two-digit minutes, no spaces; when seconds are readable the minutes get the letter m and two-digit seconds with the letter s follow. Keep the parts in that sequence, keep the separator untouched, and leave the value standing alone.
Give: 12h26
